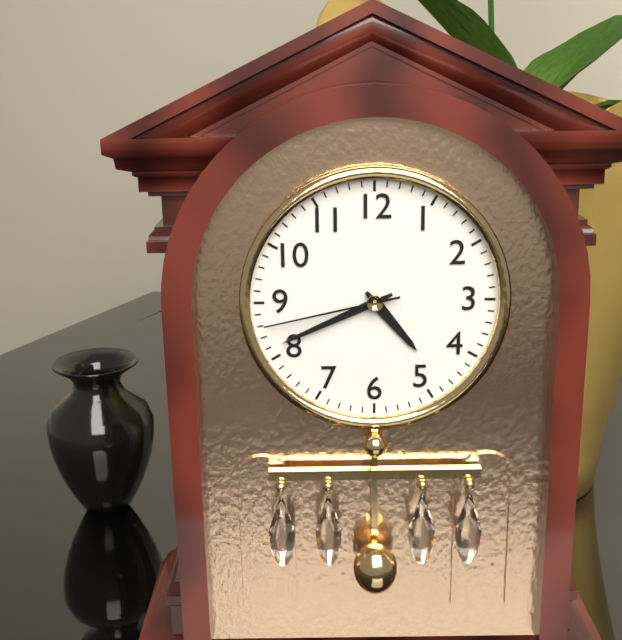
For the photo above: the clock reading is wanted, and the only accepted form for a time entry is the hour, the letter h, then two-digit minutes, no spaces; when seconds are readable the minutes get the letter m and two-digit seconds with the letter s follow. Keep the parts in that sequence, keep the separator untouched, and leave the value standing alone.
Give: 4h41m43s
